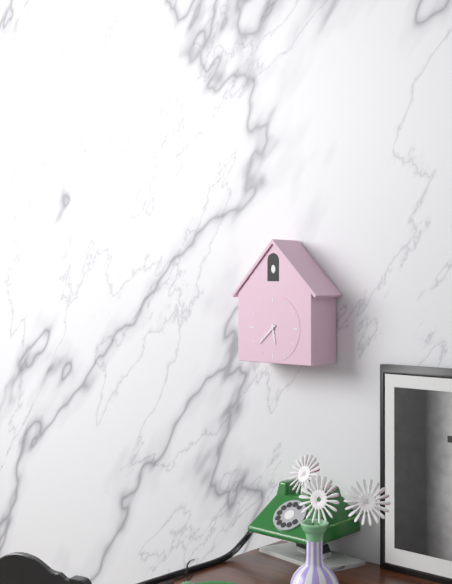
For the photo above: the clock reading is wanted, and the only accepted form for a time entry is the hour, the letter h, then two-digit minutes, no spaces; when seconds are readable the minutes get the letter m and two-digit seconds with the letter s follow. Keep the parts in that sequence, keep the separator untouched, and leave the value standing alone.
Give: 5h38
